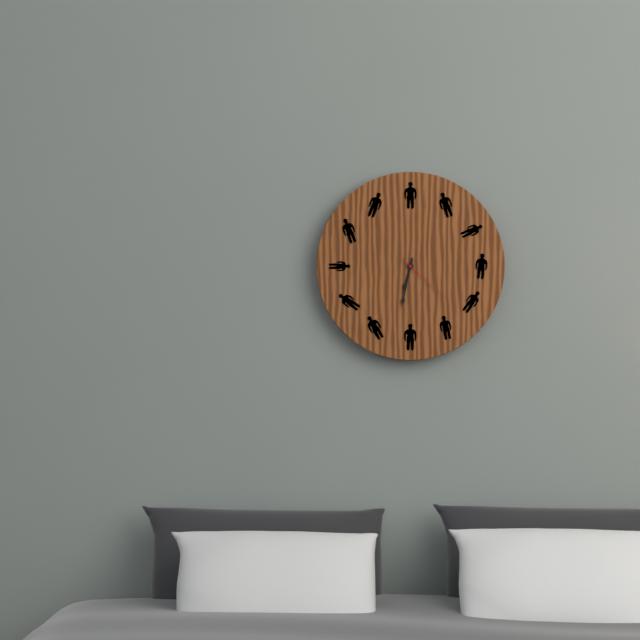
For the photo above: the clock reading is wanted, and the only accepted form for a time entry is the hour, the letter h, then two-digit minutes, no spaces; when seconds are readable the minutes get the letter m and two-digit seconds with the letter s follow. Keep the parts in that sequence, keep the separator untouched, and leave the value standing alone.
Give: 6h32m22s
